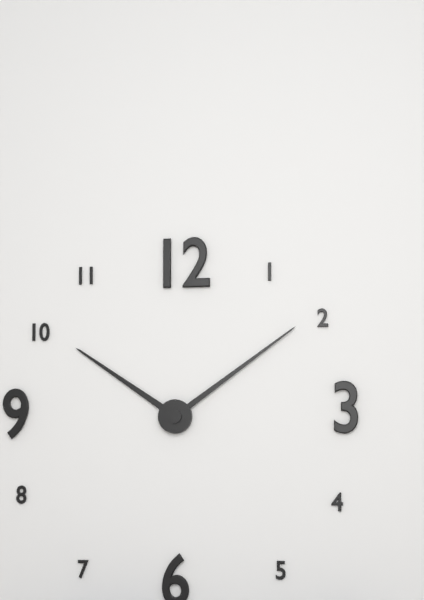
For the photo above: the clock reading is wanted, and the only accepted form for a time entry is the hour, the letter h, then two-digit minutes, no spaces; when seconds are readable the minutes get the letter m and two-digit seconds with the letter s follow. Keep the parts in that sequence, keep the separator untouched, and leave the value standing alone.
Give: 10h09
